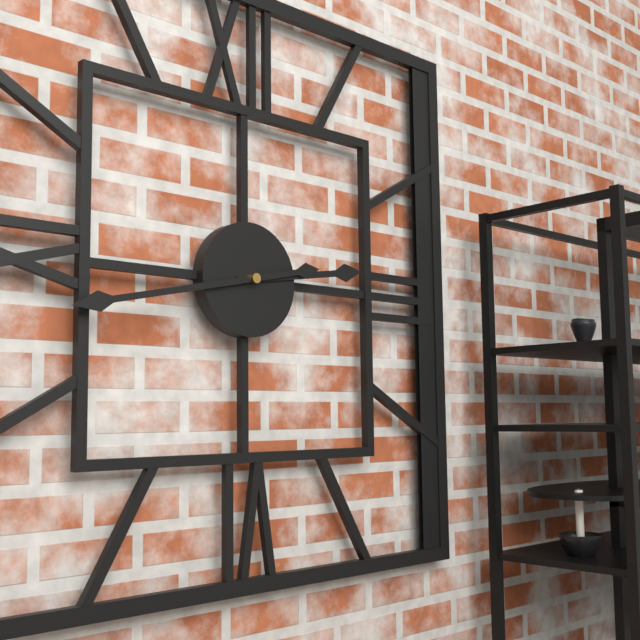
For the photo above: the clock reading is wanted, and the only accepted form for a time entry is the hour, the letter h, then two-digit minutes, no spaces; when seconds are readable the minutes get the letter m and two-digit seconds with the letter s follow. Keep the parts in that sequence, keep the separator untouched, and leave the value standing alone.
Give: 2h43
